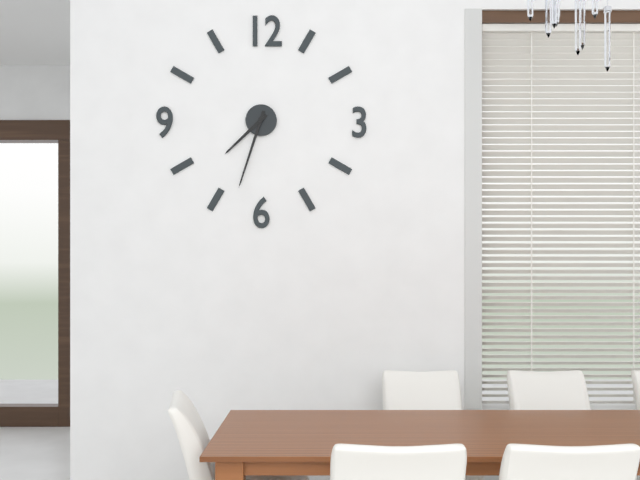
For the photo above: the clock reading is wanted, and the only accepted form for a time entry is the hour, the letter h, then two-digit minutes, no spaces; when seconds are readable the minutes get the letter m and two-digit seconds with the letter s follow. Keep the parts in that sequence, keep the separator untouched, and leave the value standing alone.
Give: 7h33
